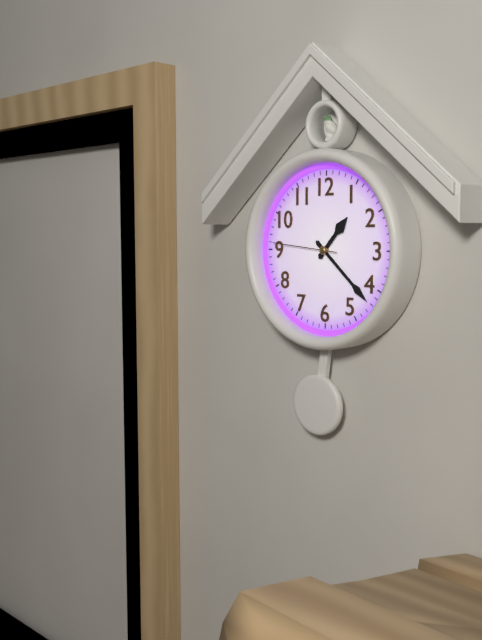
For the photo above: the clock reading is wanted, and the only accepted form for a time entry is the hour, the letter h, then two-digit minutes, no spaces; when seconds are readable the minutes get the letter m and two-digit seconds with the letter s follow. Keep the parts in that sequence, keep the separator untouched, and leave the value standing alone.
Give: 1h22m46s
